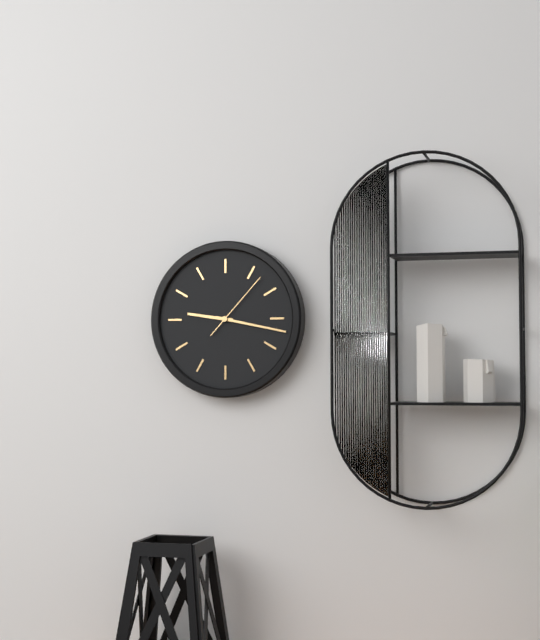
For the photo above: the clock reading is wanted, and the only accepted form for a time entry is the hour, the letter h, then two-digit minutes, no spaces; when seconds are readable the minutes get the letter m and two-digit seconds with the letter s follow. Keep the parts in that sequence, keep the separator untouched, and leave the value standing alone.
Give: 9h17m07s
